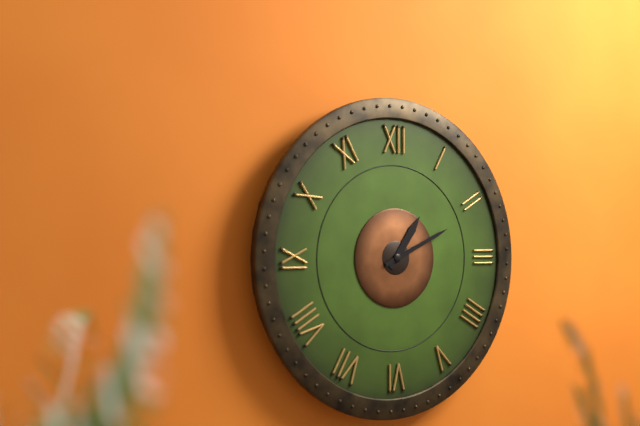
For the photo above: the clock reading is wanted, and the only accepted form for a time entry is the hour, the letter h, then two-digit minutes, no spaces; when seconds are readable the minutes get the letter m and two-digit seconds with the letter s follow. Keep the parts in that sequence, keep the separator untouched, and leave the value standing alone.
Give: 1h11
